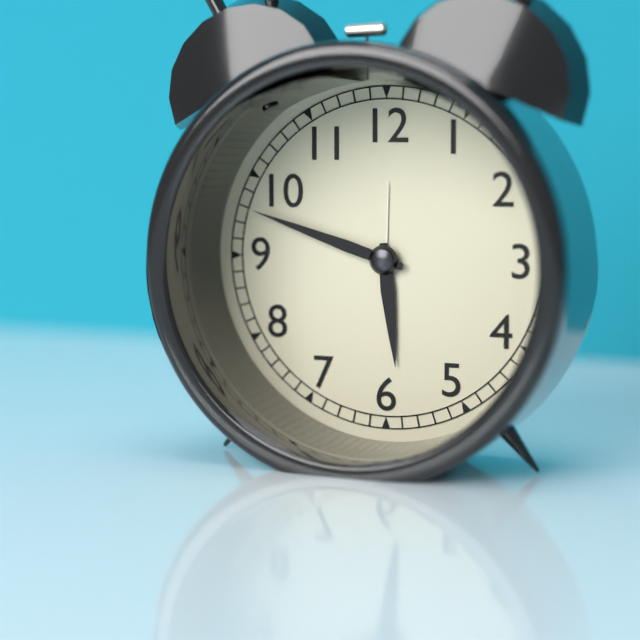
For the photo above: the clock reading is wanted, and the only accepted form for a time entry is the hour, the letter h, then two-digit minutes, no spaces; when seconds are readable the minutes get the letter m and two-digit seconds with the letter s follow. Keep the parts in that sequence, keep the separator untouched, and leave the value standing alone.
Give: 5h48
